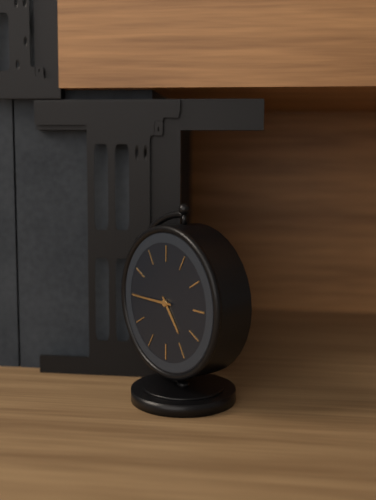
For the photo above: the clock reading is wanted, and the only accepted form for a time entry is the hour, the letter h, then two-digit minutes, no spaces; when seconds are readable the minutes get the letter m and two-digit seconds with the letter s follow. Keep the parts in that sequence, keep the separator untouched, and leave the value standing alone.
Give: 4h45
